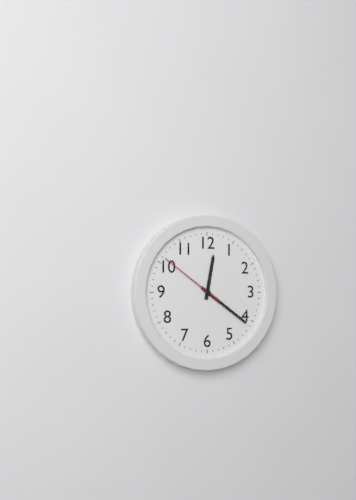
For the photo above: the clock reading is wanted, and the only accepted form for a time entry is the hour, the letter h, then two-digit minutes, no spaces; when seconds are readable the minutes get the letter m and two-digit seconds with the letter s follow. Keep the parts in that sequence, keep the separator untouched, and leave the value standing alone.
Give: 12h21m51s
